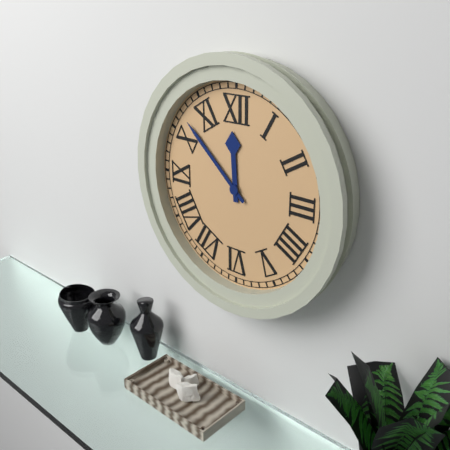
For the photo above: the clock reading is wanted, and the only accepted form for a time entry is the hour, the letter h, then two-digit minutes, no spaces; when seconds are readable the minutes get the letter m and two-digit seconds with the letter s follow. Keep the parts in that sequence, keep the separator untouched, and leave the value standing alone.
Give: 11h52
